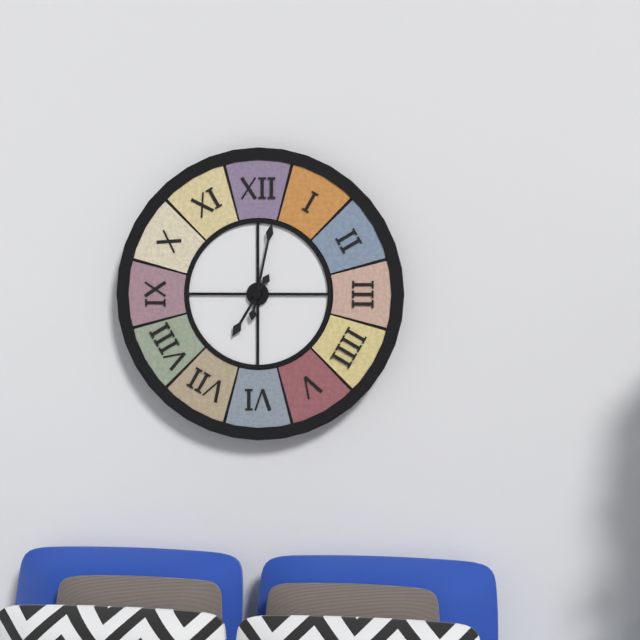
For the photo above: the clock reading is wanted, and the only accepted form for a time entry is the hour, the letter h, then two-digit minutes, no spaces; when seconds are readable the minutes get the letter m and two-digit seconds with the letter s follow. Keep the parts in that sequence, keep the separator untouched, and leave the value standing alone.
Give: 7h02
